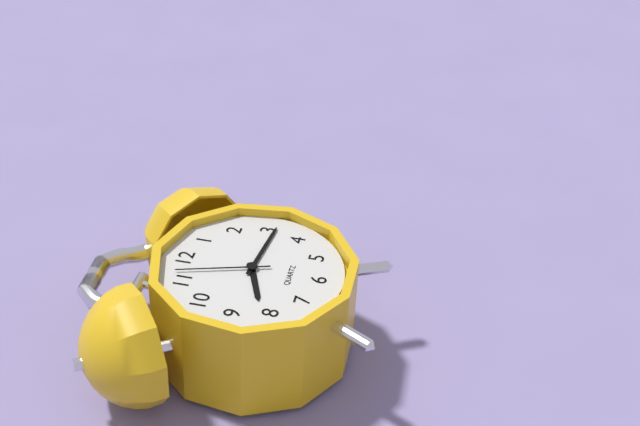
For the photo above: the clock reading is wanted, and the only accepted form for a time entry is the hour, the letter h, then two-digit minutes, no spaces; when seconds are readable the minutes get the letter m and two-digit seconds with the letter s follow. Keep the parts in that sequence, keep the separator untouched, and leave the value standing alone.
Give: 8h16m57s
